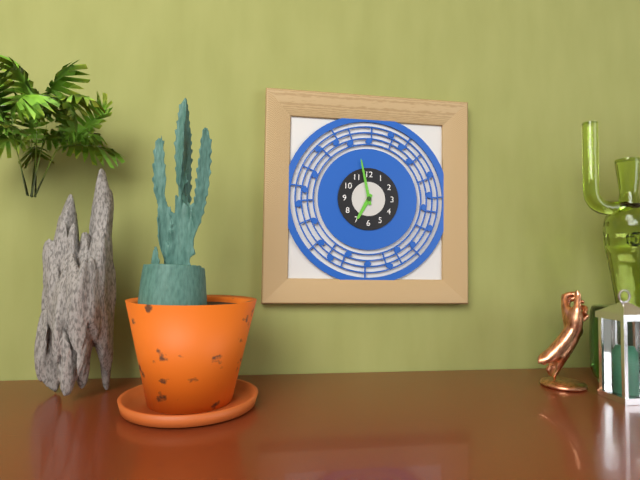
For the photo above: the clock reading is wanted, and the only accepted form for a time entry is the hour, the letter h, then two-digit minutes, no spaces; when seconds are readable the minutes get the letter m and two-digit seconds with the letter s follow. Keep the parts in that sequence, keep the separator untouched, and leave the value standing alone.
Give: 6h58
